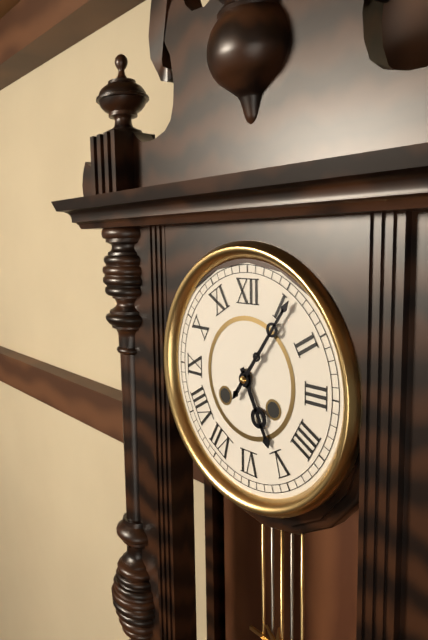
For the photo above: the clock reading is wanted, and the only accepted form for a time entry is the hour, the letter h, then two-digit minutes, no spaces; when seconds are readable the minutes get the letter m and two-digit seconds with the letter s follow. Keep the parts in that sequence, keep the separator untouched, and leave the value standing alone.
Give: 5h06
